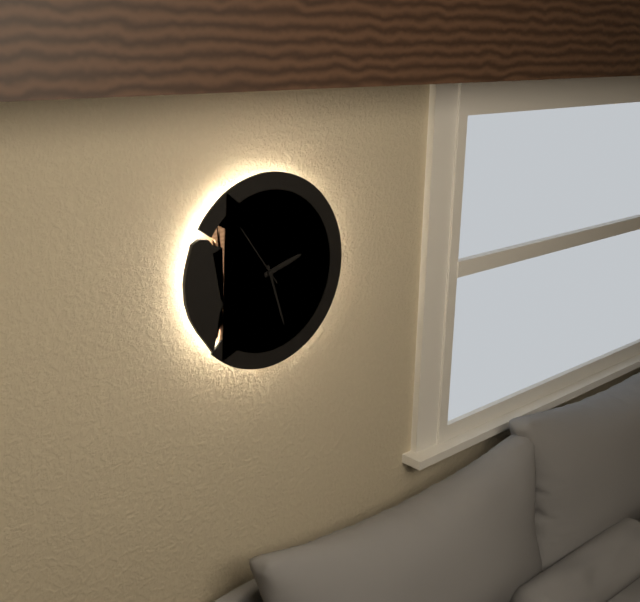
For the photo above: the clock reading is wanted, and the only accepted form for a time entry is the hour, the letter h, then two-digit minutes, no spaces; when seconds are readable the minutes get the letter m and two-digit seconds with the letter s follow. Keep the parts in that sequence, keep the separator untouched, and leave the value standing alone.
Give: 2h27m54s
